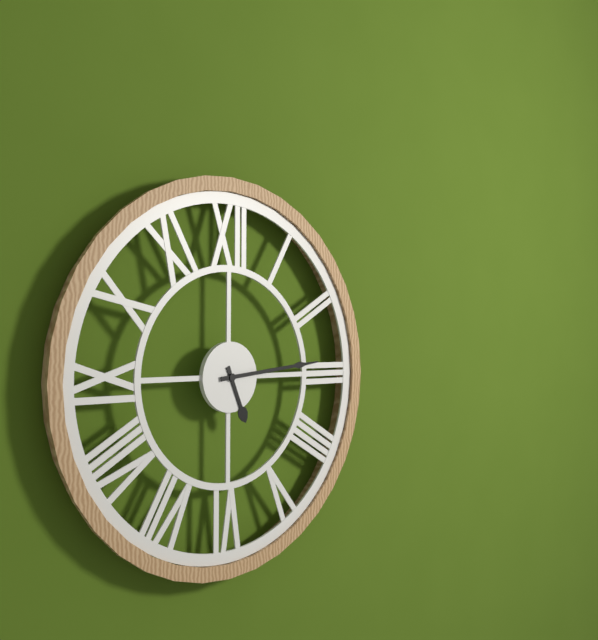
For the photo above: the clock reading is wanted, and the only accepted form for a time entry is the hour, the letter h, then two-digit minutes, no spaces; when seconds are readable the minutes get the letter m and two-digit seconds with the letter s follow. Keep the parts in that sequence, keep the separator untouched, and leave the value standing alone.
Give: 5h14
